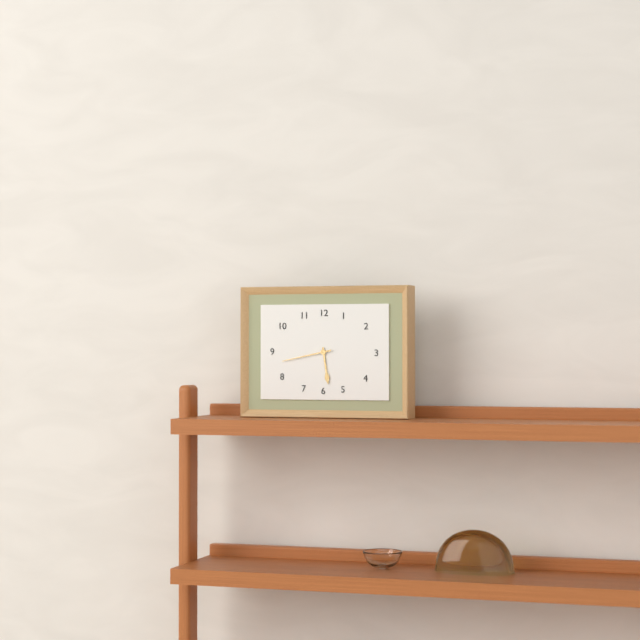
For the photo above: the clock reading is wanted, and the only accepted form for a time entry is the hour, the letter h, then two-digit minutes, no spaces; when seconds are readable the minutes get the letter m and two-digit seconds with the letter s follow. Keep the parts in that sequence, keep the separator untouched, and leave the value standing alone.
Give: 5h43
